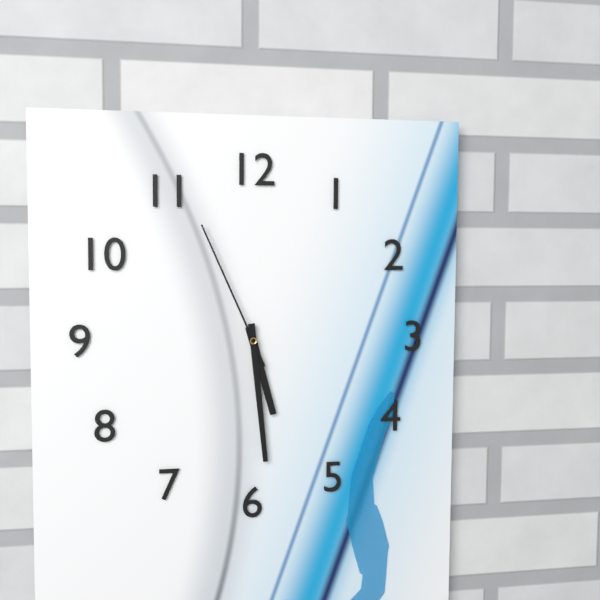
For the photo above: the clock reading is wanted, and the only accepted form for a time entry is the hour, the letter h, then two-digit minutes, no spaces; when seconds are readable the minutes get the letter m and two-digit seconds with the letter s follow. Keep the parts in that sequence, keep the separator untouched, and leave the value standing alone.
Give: 5h29m56s
